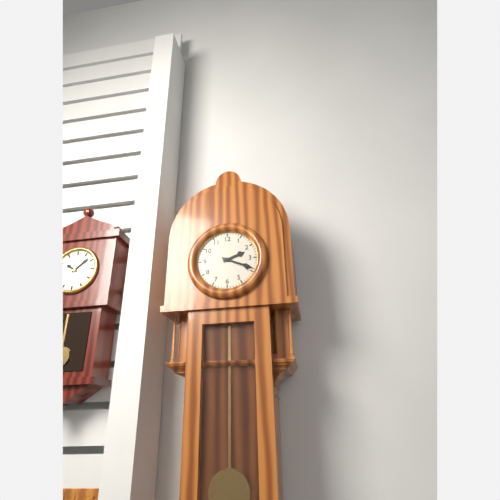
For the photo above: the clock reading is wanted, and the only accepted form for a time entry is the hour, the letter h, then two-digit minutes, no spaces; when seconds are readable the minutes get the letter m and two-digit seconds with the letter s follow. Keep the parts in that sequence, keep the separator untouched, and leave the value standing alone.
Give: 2h19
